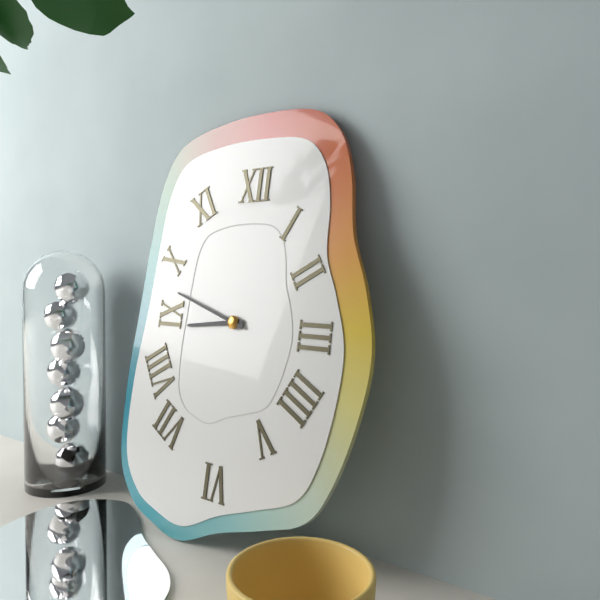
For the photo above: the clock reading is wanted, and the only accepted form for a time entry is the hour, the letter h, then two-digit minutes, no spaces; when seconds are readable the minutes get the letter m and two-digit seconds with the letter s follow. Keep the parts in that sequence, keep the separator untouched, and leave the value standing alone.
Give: 8h48
